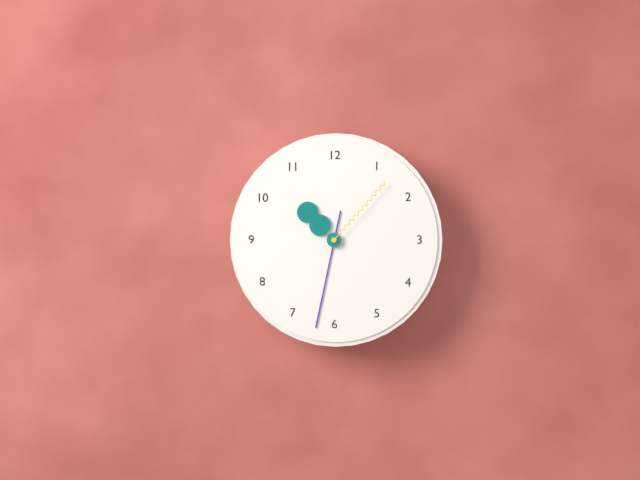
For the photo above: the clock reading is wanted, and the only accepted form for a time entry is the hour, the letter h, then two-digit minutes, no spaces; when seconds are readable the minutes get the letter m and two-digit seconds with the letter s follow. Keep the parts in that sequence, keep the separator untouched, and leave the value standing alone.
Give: 10h32m07s
